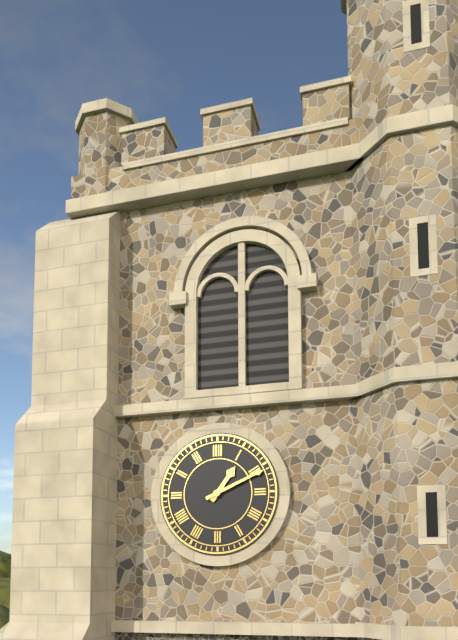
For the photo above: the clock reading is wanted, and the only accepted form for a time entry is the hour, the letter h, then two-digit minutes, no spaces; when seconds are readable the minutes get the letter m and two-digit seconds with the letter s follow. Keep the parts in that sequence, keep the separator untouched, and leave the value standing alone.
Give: 1h11
